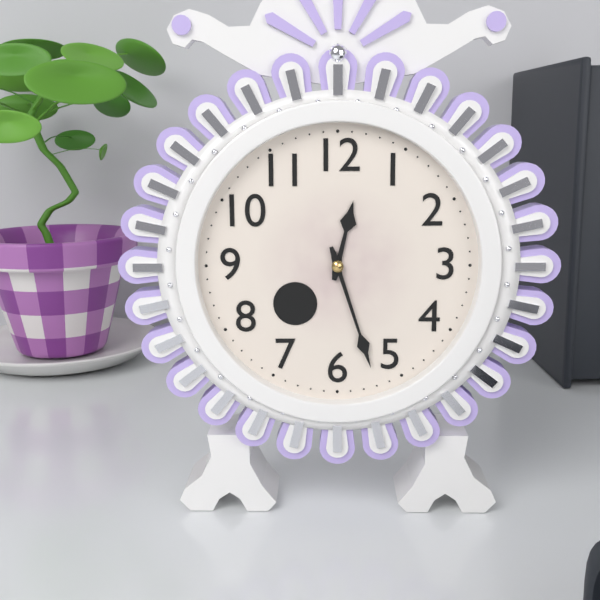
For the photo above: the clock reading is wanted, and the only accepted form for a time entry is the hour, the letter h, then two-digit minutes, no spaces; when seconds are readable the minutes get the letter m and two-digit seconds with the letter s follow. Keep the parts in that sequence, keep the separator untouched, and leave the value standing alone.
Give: 12h27
